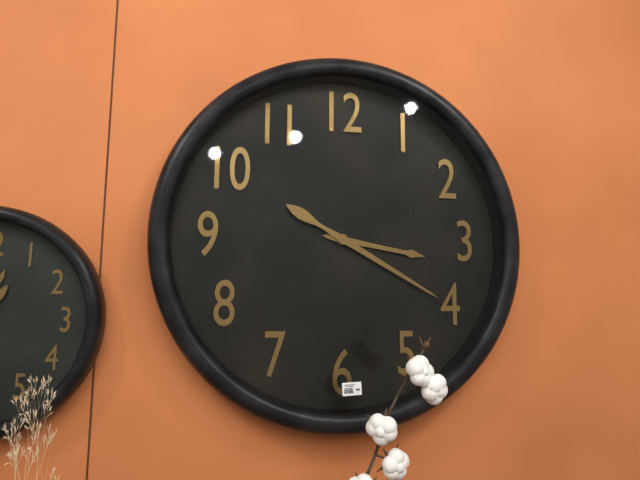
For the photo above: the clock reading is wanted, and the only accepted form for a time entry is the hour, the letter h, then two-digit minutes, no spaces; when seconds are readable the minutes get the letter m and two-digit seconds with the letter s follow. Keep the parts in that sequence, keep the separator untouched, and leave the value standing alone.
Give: 3h20
